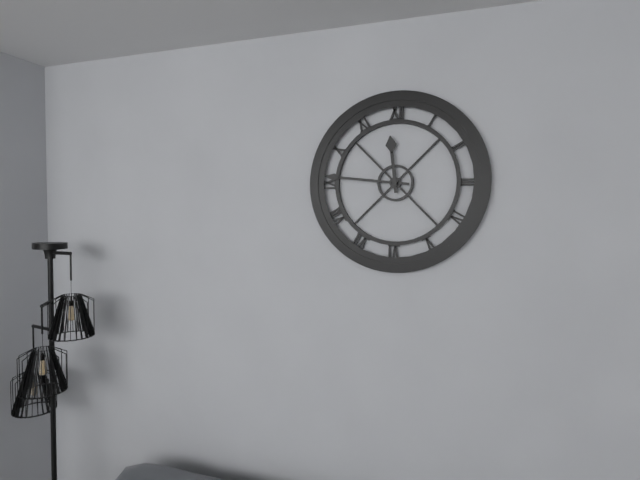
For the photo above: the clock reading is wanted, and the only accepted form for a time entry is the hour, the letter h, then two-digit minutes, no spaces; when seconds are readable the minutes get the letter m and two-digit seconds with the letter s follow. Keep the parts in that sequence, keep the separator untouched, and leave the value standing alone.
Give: 11h46
